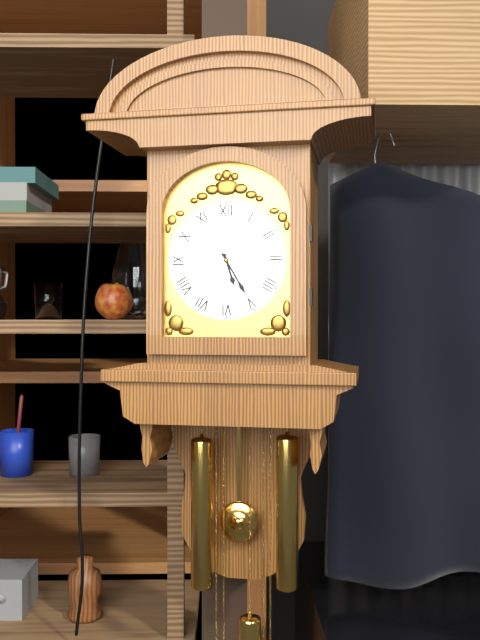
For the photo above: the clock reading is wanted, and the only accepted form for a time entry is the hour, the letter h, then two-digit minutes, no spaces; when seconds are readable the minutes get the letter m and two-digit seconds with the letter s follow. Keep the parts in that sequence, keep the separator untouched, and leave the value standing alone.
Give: 5h25
